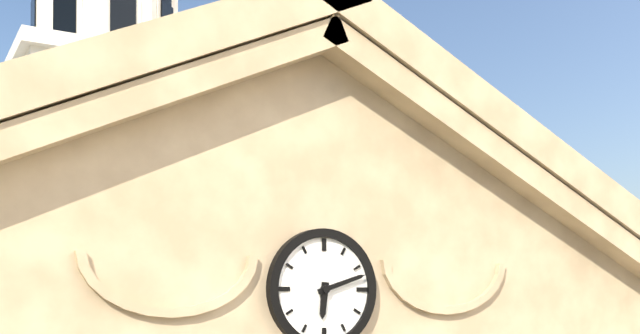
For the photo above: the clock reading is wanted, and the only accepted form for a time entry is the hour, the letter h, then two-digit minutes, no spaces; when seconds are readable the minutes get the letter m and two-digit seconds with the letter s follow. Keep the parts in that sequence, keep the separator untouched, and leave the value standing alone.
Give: 6h12
